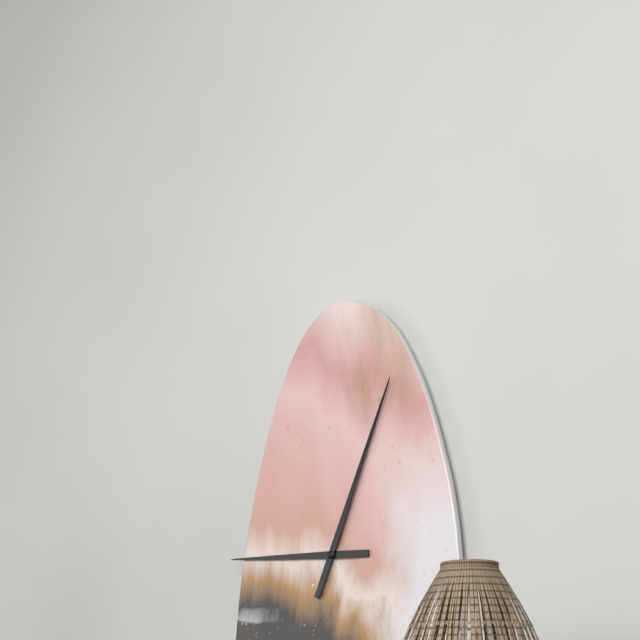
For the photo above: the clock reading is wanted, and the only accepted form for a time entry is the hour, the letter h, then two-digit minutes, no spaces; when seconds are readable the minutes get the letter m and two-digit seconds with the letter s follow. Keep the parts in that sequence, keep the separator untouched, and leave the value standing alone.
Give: 9h04
